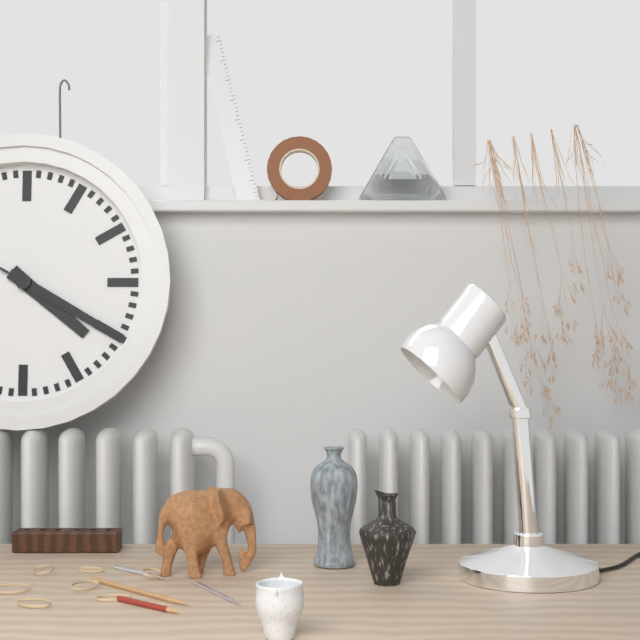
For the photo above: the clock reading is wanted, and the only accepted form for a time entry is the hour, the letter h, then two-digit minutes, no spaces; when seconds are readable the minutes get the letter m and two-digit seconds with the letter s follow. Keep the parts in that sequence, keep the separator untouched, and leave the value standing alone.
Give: 4h20m20s
